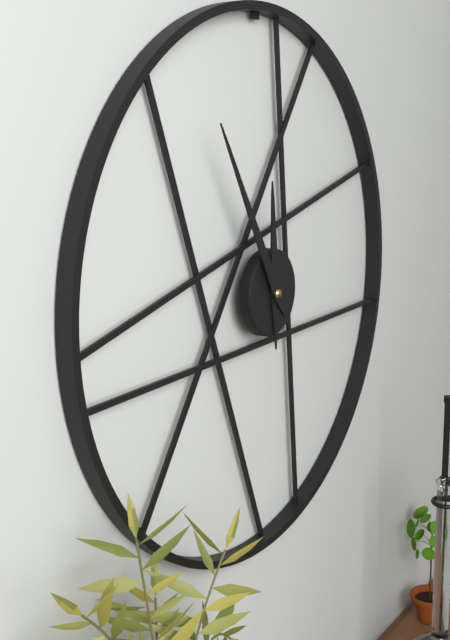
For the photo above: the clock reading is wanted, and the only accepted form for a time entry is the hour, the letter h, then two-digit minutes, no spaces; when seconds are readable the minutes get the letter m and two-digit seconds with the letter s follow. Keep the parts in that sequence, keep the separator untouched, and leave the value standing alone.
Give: 11h55
